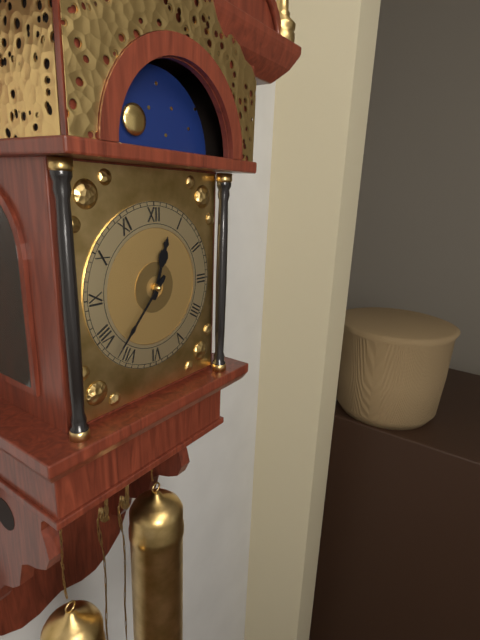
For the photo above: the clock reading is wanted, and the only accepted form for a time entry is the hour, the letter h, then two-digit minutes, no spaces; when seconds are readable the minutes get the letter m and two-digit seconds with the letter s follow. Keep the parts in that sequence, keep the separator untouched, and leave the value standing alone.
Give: 12h37
